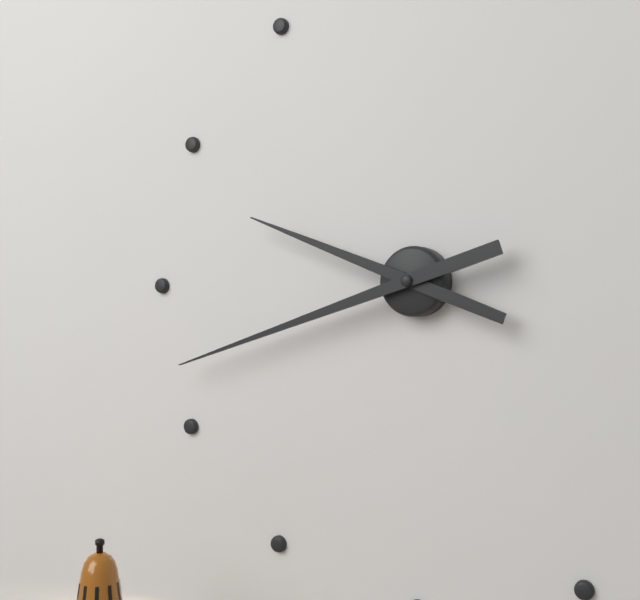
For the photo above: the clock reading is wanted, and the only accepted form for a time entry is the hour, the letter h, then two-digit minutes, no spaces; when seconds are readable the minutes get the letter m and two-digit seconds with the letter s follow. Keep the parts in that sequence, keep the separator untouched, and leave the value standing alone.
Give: 9h42
